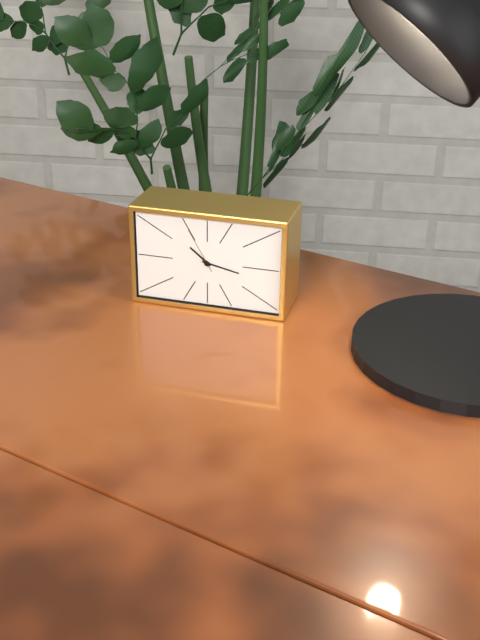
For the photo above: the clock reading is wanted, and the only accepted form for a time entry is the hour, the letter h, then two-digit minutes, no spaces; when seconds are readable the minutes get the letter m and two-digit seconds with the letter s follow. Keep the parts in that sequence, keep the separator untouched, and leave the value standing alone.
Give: 10h17
